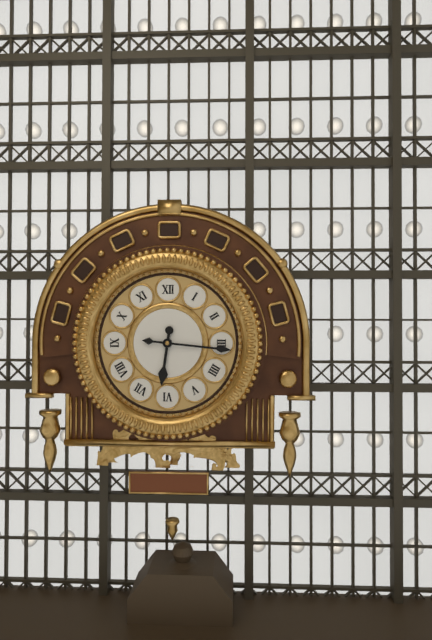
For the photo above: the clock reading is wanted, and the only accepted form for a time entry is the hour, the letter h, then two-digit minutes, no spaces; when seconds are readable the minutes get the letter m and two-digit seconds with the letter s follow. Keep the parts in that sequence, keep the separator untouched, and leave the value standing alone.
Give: 6h16
